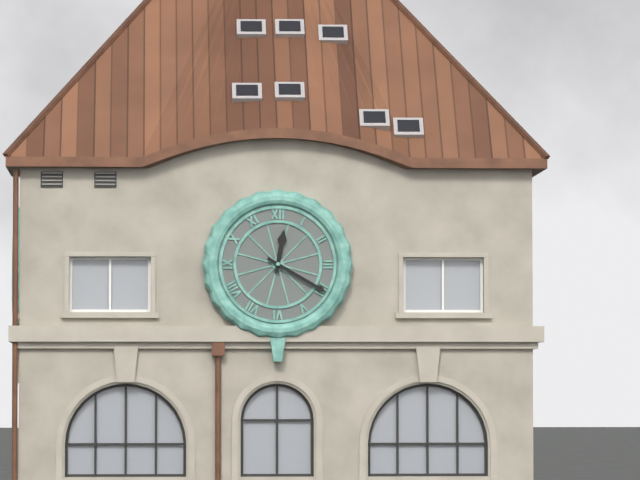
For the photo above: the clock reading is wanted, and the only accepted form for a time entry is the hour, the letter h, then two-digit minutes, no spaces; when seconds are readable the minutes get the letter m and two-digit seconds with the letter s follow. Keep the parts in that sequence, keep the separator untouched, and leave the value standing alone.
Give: 12h20
